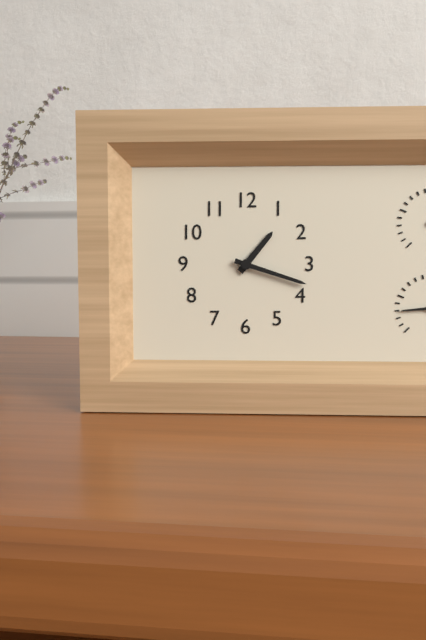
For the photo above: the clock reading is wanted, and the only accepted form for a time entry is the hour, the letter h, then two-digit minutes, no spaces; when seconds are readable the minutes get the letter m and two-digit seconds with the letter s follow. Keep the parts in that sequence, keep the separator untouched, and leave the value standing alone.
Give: 1h18
